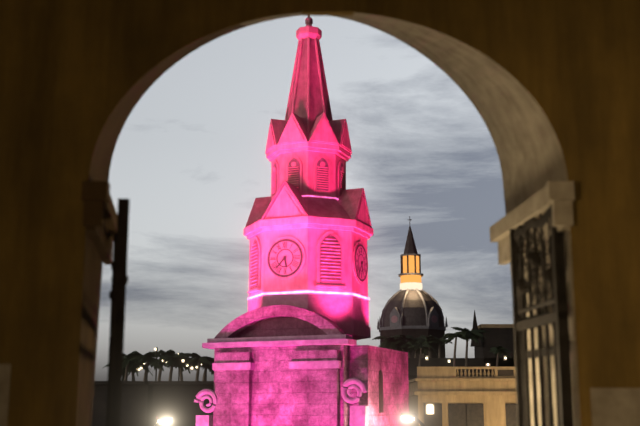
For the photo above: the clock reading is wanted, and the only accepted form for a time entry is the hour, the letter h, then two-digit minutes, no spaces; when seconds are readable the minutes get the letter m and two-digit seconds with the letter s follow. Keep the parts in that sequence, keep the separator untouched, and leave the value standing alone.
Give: 5h37
